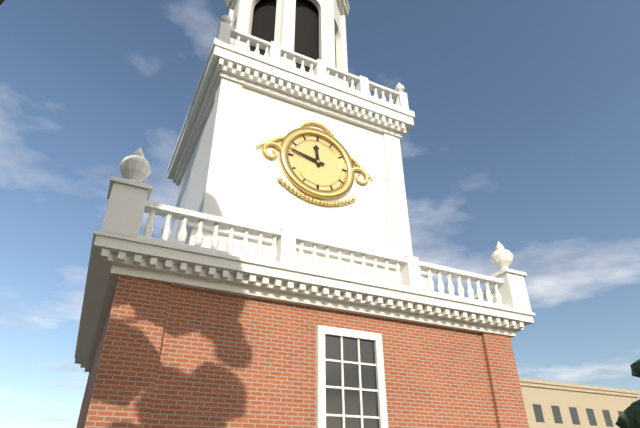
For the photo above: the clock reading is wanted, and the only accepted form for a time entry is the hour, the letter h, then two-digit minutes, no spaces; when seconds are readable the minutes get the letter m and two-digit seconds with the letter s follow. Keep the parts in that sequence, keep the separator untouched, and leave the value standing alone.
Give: 11h47
